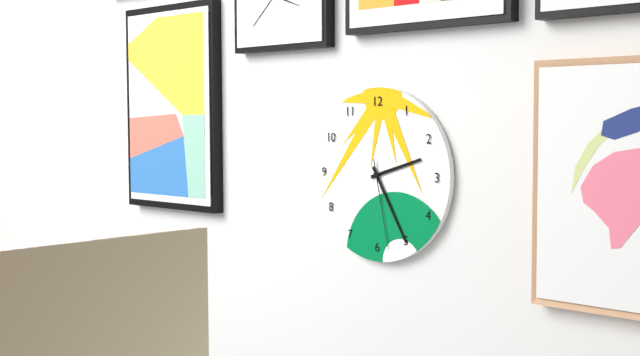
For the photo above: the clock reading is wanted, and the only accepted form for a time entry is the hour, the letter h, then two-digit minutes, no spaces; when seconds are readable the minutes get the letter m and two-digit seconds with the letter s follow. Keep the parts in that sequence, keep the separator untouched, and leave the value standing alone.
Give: 2h25m28s
